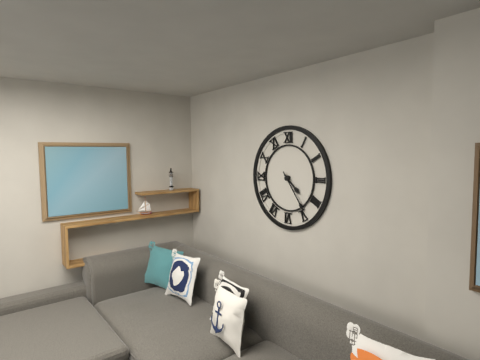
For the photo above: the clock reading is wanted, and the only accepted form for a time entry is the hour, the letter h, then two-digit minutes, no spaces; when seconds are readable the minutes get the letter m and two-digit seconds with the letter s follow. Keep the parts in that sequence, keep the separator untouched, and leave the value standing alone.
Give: 4h24
